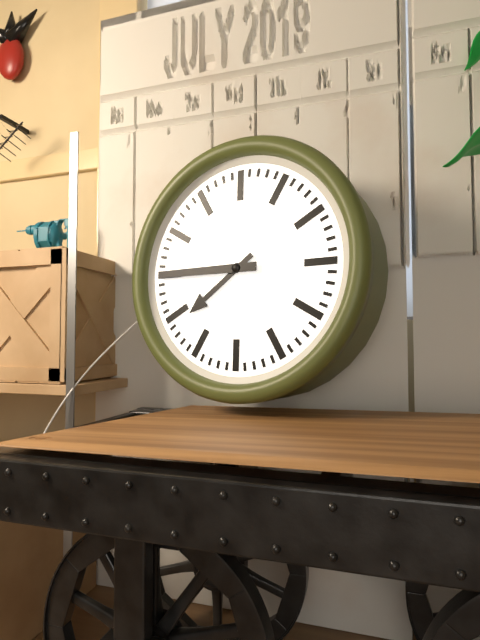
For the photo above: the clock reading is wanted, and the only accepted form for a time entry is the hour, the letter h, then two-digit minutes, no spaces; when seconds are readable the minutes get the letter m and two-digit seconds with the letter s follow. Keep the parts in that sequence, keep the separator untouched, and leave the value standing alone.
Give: 7h45
